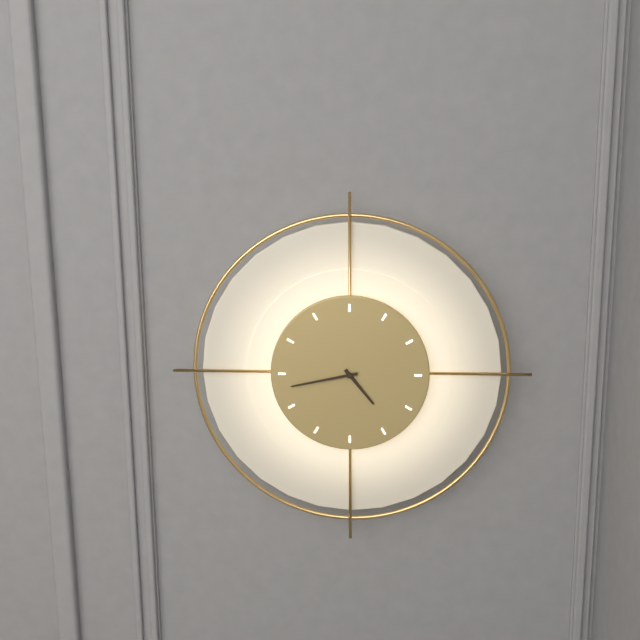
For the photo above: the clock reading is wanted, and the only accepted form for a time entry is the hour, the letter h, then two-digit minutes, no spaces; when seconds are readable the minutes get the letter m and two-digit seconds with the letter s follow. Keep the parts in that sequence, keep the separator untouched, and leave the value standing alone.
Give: 4h43
